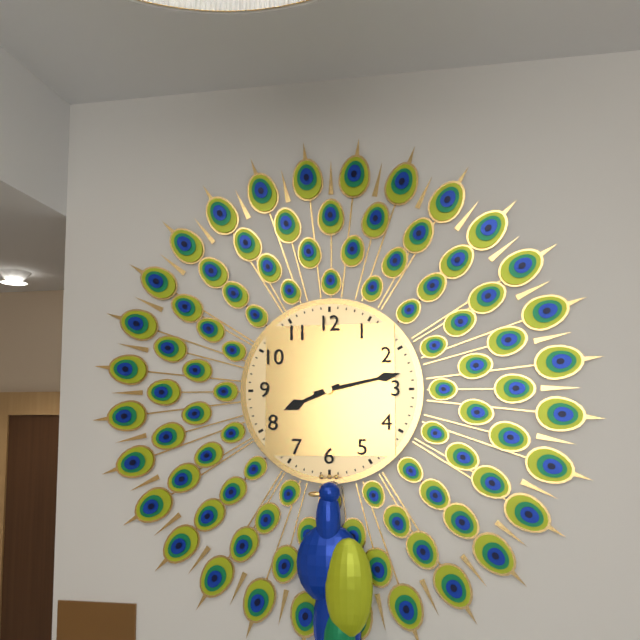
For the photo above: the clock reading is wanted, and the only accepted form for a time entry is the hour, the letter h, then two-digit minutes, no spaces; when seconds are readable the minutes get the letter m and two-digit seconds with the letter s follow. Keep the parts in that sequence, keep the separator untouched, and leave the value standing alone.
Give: 8h13
